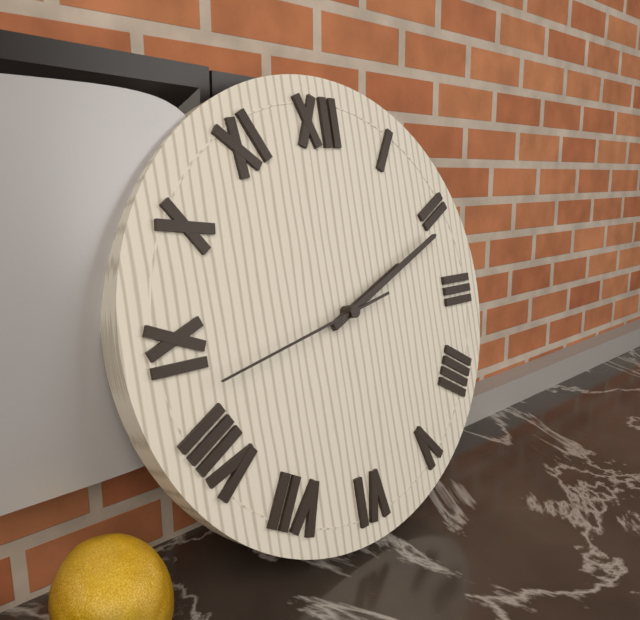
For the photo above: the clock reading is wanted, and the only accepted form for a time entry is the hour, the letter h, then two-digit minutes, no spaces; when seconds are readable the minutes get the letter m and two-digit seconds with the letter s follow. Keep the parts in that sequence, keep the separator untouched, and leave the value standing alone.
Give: 2h11m43s
